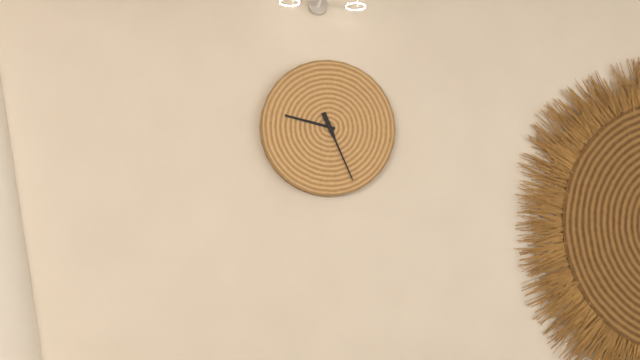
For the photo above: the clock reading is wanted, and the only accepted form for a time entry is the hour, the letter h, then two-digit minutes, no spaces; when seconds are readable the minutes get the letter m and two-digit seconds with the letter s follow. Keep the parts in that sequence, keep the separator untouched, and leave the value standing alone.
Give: 9h26
